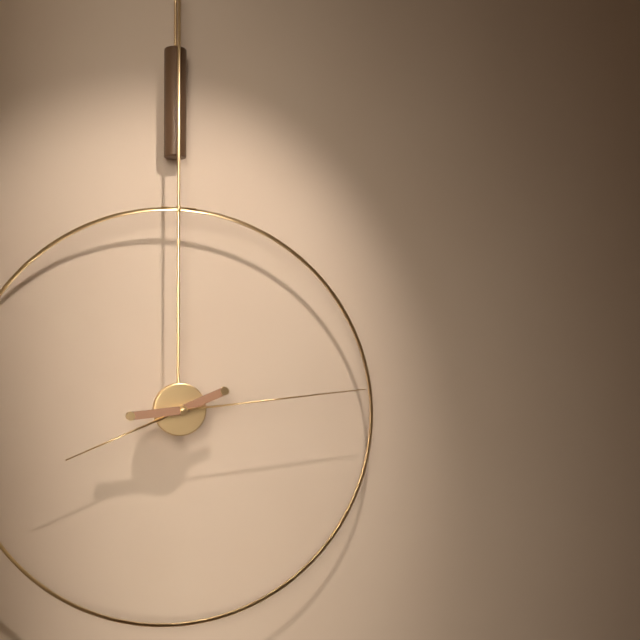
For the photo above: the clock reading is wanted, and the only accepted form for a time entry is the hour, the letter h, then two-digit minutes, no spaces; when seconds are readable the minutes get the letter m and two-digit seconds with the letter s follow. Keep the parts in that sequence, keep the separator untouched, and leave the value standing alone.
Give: 8h14
